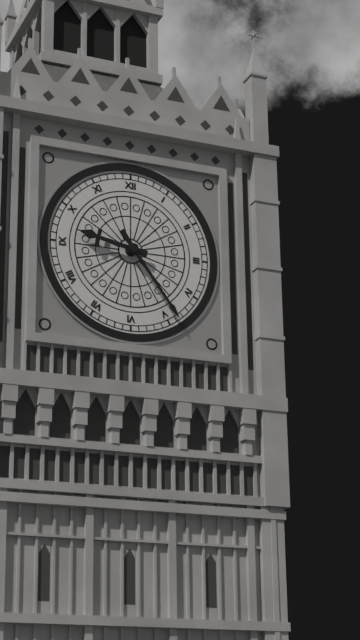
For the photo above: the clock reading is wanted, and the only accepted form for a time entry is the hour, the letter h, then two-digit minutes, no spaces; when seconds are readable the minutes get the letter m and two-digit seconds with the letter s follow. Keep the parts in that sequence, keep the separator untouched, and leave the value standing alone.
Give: 9h24
